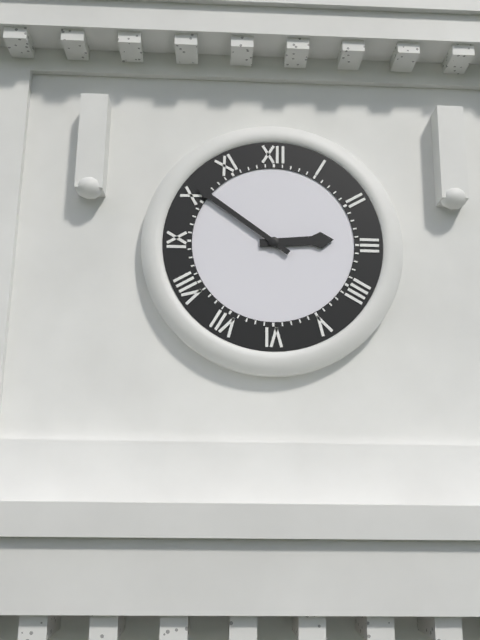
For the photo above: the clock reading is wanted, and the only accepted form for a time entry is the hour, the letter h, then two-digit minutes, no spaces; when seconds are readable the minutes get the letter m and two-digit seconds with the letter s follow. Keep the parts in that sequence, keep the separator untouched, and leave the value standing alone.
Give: 2h51
